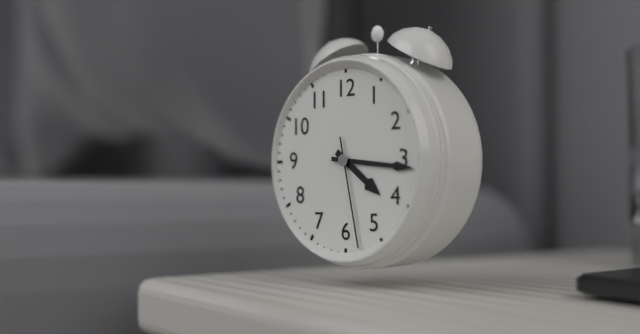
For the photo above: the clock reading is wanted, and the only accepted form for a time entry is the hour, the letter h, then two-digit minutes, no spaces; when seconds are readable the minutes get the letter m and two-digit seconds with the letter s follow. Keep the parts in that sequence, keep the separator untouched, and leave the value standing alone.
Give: 4h16m28s
